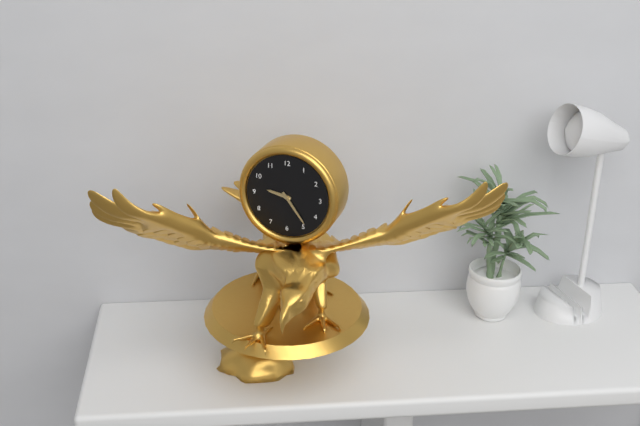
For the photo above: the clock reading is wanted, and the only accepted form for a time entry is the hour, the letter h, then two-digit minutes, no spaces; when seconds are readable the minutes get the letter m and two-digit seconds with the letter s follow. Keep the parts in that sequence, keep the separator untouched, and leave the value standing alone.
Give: 9h24
